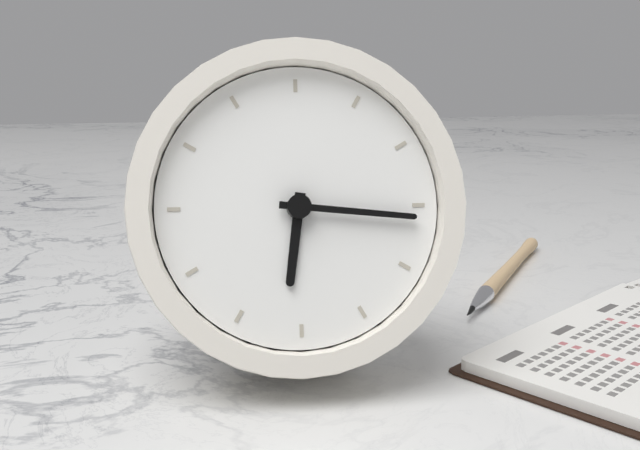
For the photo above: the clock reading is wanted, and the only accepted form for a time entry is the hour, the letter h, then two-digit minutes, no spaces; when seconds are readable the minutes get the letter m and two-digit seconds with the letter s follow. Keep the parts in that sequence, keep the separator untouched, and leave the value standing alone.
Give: 6h16
